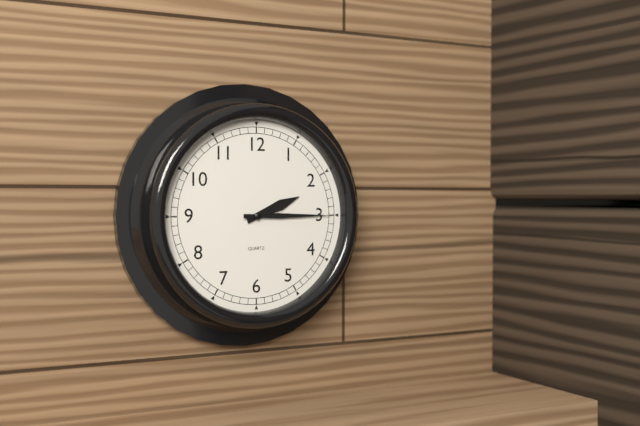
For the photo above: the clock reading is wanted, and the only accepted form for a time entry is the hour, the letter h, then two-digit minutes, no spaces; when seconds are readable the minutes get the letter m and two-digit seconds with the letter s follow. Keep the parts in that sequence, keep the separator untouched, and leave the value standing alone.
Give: 2h15
